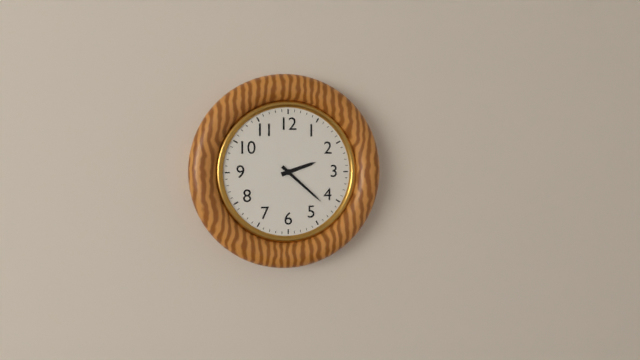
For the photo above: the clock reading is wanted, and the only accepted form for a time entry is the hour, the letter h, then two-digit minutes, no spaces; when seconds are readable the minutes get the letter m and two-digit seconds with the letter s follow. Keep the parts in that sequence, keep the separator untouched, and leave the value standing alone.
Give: 2h22
